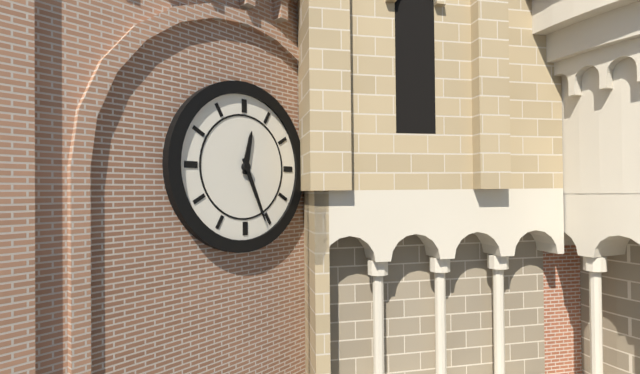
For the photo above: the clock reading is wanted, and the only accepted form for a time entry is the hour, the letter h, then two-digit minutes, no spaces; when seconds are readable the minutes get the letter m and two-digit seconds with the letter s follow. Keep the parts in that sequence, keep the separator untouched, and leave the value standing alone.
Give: 12h26
